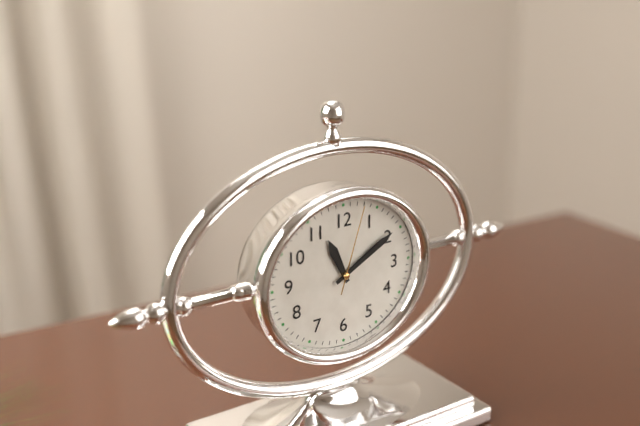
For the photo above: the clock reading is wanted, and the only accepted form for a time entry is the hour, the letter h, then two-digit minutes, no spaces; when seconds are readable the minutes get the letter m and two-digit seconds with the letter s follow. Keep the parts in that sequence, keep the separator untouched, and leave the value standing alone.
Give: 11h10m03s
